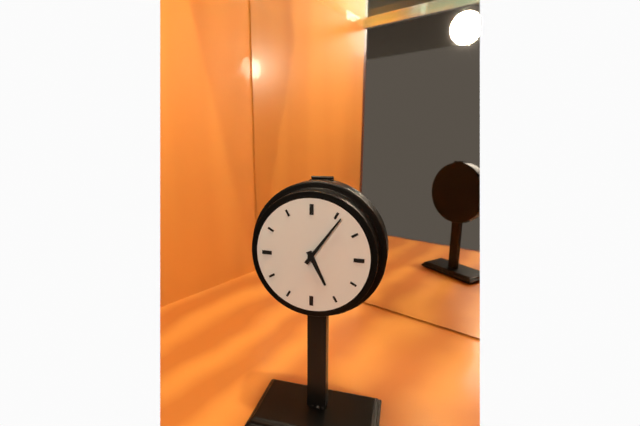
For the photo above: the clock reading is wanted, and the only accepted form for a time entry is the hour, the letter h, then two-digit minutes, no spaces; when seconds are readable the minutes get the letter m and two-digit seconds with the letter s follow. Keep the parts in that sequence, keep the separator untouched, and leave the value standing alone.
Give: 5h06
